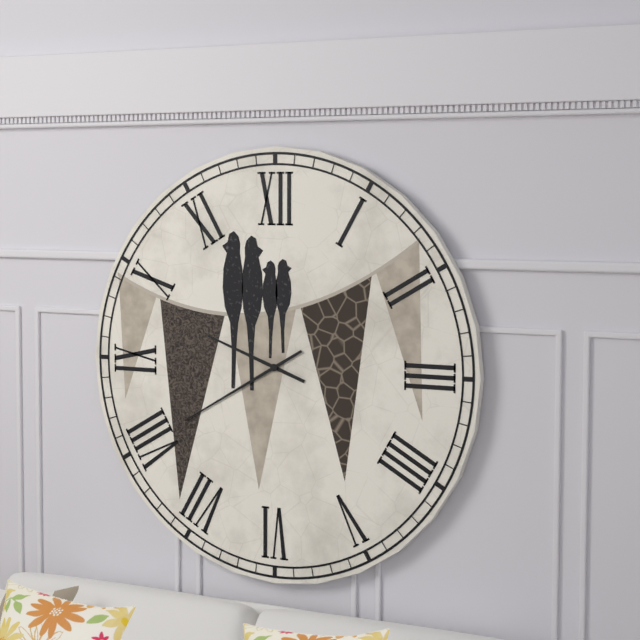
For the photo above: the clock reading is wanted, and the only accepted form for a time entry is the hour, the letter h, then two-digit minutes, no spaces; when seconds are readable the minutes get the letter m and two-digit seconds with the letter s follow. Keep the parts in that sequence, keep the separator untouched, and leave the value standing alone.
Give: 9h40
